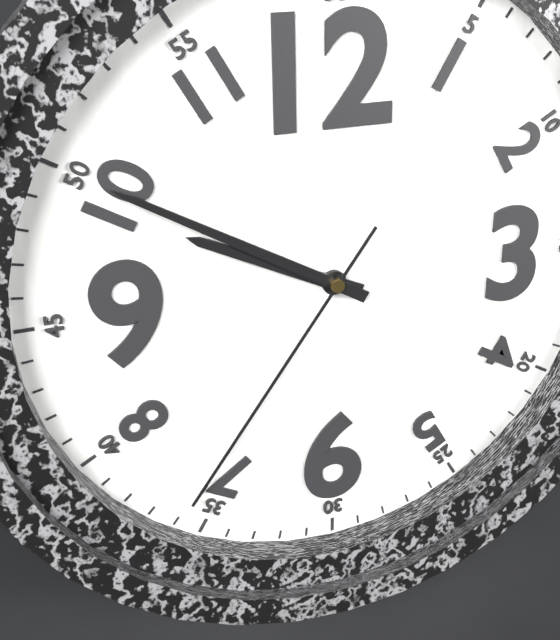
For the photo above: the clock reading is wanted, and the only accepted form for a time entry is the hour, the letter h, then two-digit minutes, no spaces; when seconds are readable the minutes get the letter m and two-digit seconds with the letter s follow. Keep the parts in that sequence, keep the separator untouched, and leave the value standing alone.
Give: 9h50m36s
